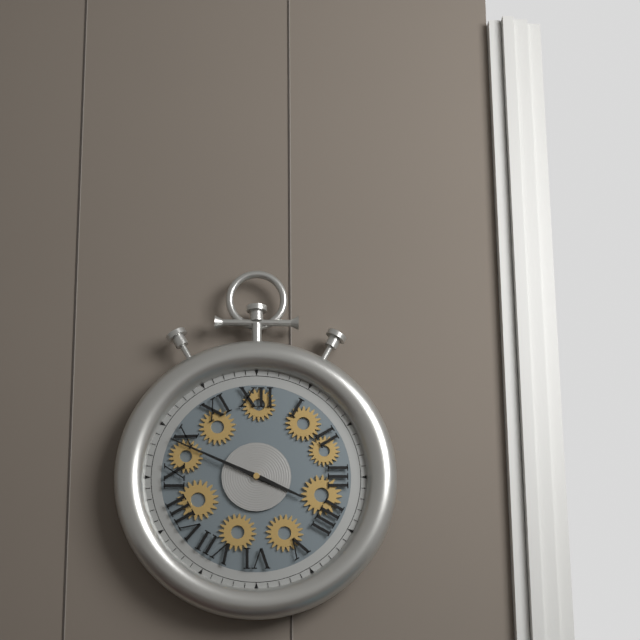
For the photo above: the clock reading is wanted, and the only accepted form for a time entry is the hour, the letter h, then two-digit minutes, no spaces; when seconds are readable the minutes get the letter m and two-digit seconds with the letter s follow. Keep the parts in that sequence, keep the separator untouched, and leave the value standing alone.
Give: 3h49
